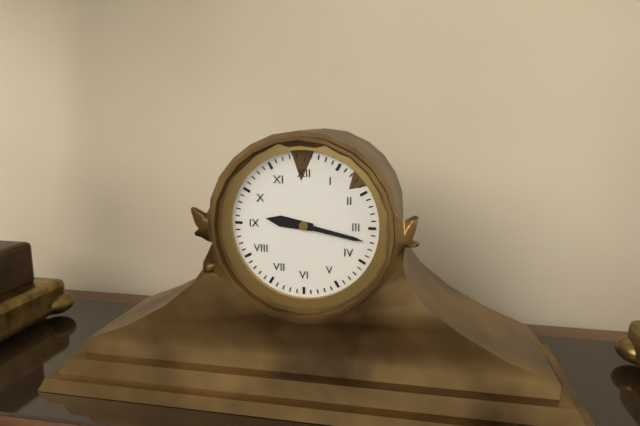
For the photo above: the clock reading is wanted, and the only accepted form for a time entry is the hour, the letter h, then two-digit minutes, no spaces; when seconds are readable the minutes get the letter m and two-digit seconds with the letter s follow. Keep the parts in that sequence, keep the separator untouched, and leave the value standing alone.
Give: 9h17
